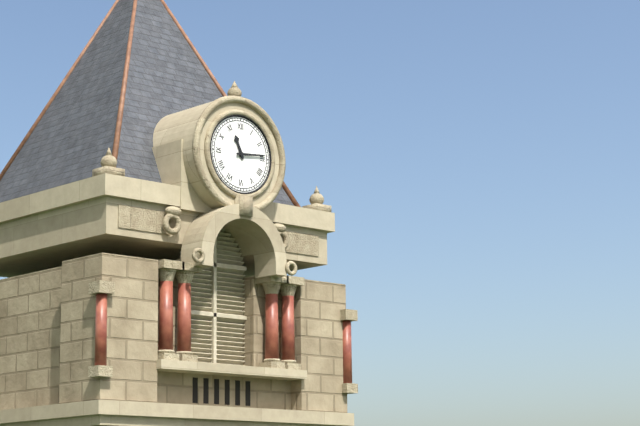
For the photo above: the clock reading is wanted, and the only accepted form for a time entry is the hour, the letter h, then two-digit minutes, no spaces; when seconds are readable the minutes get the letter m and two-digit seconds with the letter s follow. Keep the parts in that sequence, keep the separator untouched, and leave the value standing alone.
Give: 11h14
